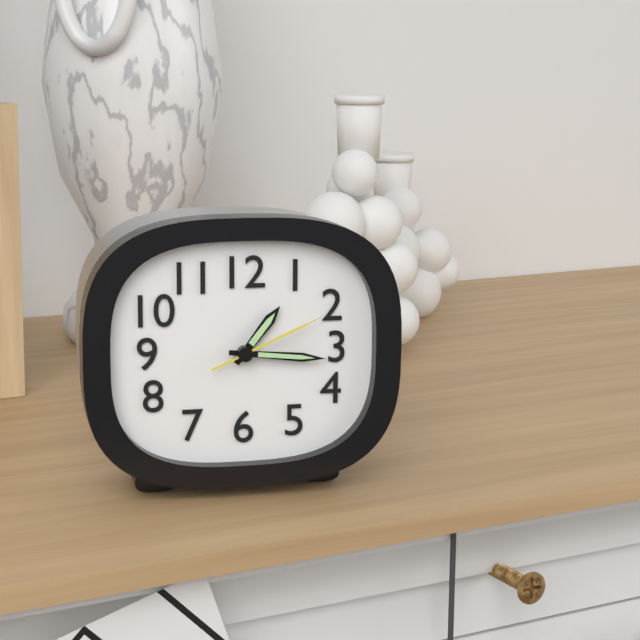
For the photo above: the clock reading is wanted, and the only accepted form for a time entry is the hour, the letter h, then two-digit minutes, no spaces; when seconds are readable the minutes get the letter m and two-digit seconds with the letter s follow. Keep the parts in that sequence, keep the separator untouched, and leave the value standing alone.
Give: 1h16m11s
